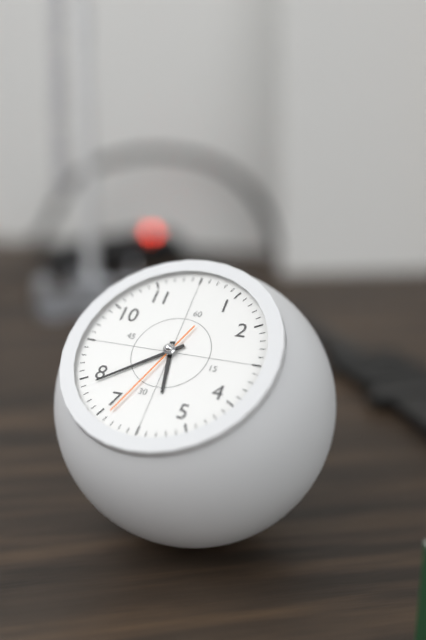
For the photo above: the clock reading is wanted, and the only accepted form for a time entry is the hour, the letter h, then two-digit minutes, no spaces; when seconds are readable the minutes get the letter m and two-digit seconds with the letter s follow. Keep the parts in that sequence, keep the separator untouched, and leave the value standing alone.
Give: 5h39m34s
